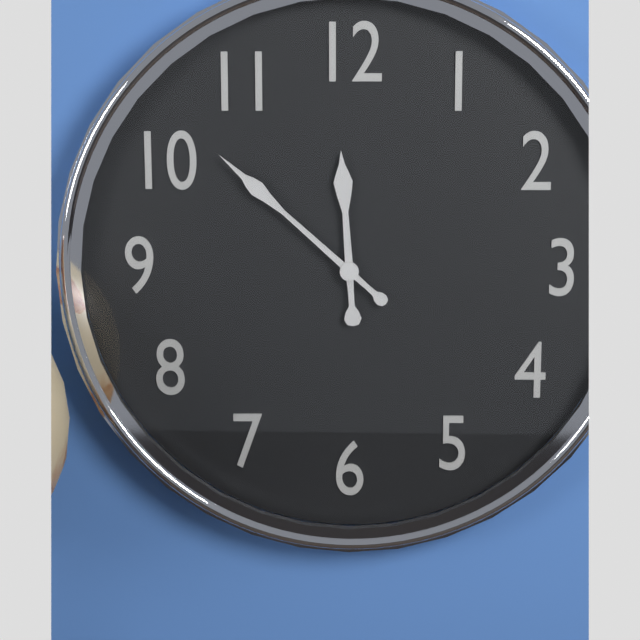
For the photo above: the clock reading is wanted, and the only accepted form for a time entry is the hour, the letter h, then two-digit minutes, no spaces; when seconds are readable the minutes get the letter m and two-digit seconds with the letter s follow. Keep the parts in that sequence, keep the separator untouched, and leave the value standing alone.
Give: 11h52
